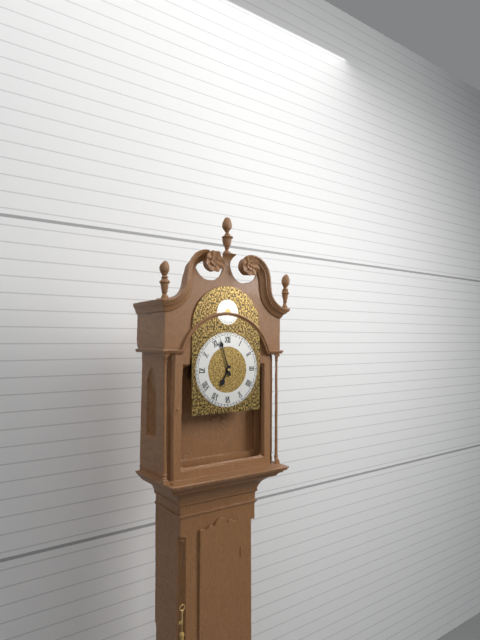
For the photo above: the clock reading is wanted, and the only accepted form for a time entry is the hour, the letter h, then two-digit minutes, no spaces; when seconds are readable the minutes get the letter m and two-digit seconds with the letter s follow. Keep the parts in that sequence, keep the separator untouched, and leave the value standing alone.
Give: 6h57
